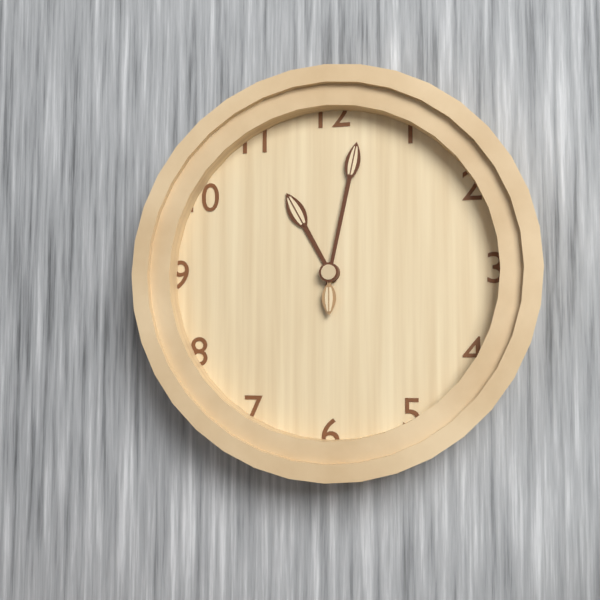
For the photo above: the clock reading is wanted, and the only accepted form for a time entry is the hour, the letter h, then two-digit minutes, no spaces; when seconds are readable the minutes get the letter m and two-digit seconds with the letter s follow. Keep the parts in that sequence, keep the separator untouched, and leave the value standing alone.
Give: 11h02m30s
